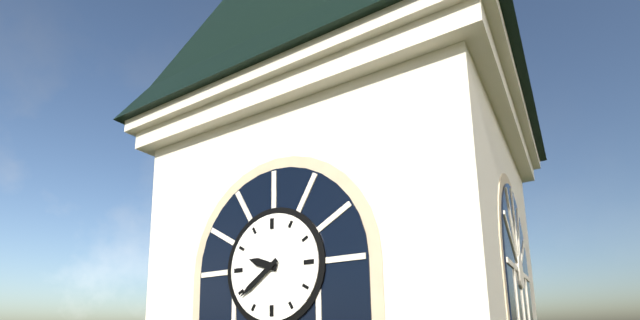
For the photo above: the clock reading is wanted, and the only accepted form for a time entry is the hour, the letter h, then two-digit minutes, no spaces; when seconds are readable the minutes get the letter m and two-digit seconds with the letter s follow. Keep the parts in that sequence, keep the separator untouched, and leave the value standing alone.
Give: 9h39
